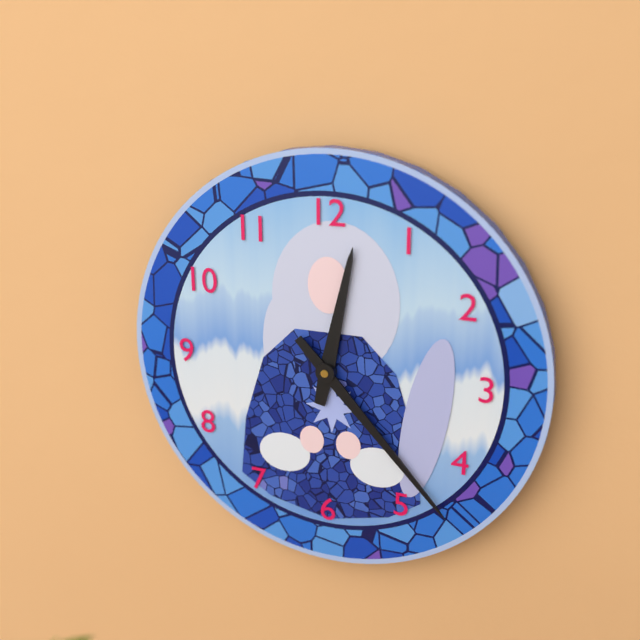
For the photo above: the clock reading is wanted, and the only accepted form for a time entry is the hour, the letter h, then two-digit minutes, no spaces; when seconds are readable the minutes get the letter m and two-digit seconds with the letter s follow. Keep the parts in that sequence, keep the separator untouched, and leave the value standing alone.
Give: 12h23
